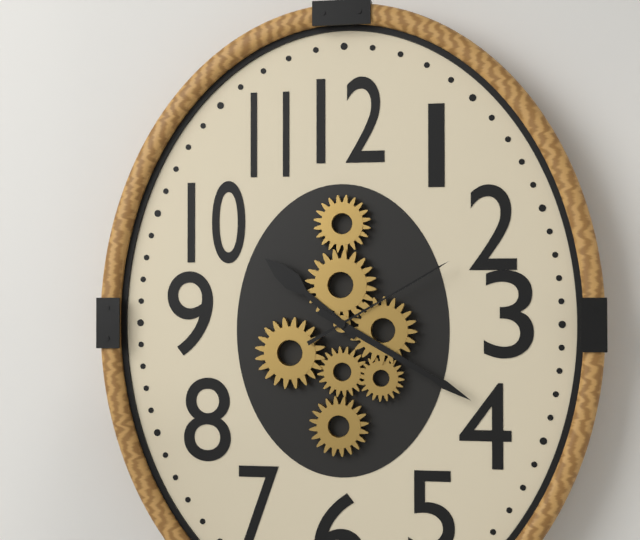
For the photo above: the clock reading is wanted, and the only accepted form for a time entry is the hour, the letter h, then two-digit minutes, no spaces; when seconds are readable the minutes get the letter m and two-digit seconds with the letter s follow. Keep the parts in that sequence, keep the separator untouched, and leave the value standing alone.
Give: 10h20m10s
